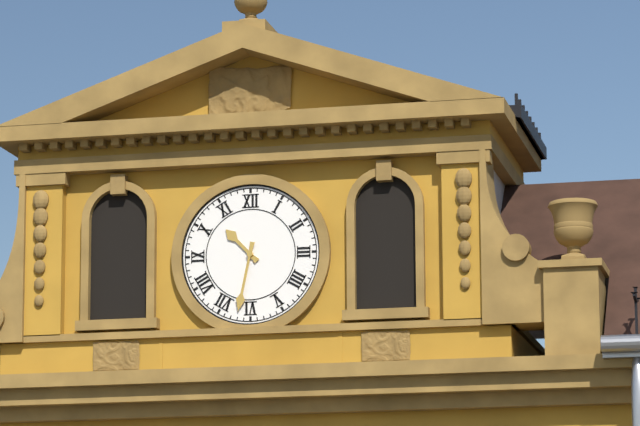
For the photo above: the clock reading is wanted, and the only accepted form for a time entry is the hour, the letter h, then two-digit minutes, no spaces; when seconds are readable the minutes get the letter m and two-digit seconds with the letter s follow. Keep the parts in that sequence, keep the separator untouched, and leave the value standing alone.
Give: 10h32
